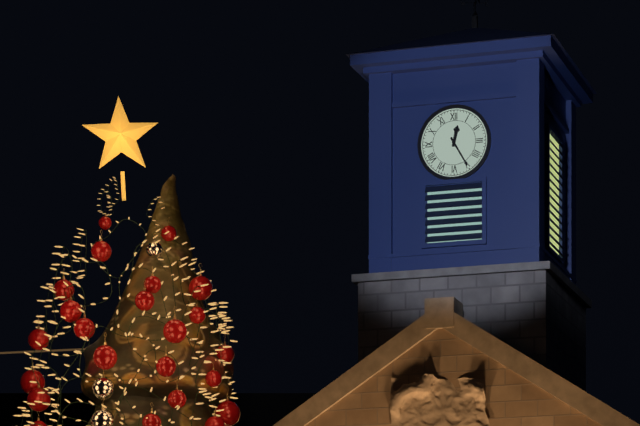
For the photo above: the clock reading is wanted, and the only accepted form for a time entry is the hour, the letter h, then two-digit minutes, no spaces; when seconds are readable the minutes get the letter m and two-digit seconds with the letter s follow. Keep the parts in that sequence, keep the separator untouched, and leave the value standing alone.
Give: 12h25
